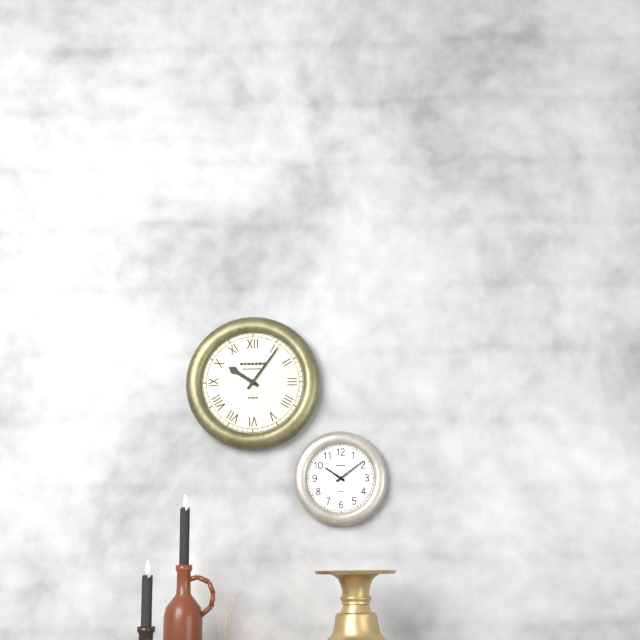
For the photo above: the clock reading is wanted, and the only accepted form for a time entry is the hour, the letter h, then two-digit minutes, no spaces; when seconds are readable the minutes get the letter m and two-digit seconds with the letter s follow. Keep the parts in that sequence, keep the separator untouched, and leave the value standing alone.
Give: 10h06
